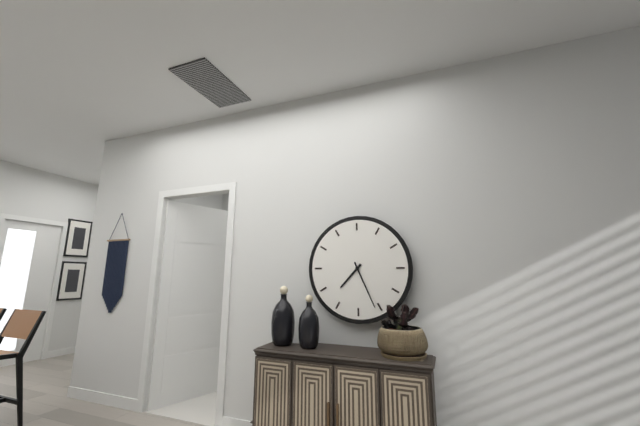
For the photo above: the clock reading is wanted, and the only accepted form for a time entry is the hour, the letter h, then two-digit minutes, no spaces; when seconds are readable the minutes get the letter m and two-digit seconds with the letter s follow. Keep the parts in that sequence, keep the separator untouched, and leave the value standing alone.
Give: 7h26
